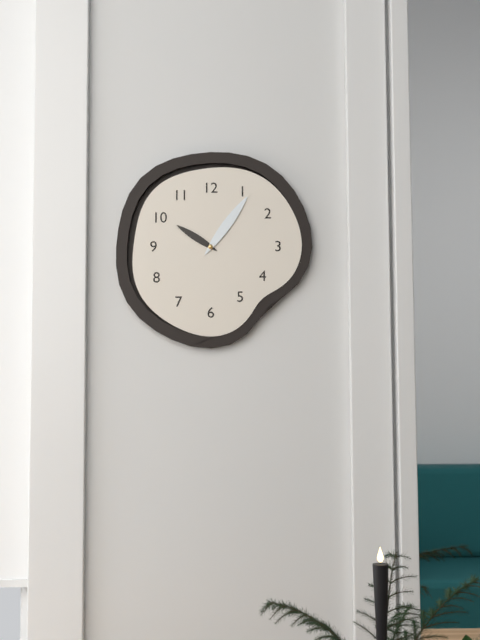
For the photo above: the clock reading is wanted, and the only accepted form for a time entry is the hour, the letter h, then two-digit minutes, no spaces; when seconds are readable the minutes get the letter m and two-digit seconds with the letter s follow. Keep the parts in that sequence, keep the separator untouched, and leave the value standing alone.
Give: 10h06
